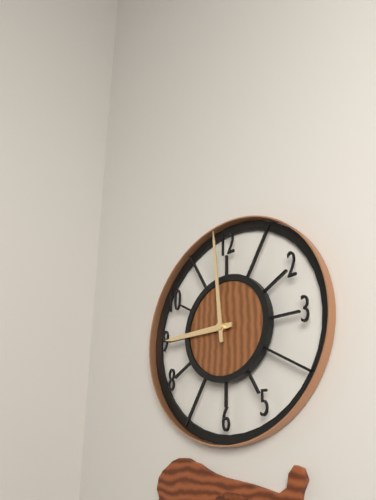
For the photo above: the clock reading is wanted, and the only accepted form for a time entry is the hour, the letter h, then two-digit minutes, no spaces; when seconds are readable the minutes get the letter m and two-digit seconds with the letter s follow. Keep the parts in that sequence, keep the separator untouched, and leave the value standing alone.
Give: 8h59
